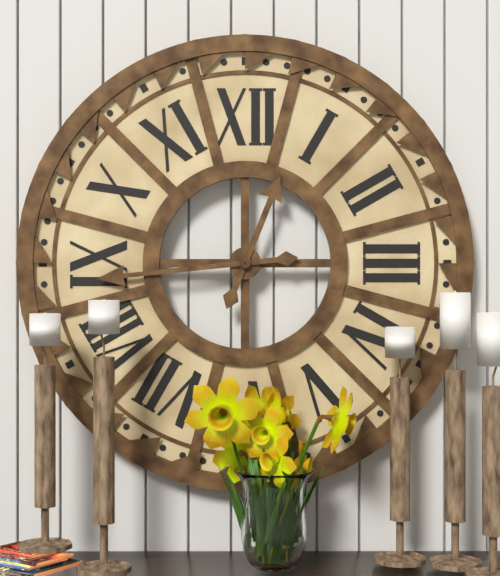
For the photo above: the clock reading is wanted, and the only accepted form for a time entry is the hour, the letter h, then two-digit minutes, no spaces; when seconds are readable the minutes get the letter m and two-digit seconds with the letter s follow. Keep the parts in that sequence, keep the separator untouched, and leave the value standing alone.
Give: 12h44
